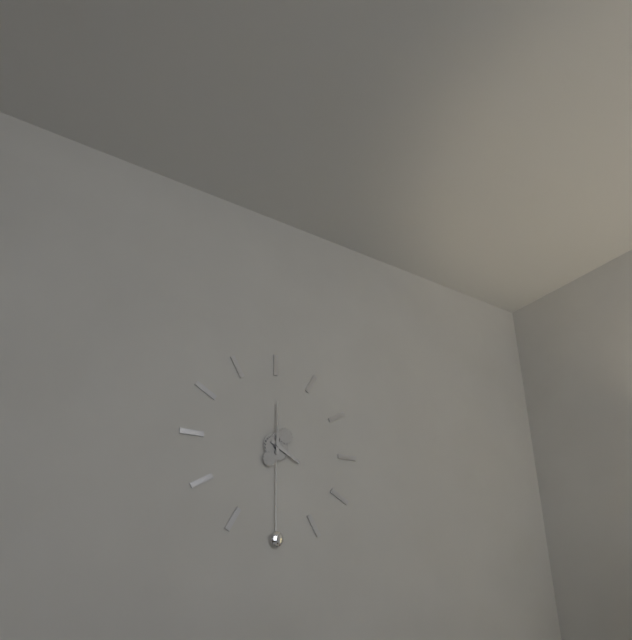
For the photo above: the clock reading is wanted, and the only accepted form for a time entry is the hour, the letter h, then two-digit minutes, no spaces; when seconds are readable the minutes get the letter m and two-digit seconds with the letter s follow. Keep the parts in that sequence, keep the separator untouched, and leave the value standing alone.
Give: 4h00
